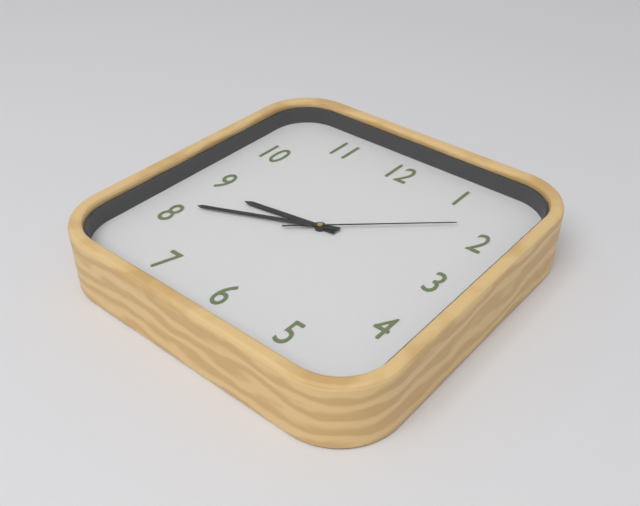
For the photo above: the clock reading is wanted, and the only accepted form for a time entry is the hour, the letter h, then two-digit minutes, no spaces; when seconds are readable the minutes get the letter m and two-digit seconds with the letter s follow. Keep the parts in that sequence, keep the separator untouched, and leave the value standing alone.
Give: 8h41m08s
